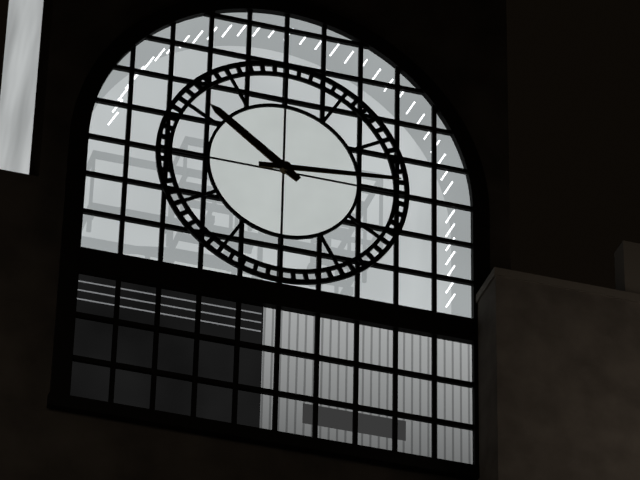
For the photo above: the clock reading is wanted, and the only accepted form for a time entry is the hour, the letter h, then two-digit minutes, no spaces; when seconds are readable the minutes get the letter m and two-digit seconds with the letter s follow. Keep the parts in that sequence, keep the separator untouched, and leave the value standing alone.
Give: 10h14
